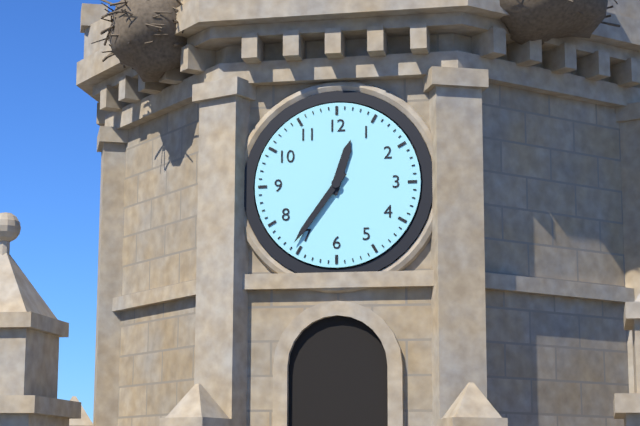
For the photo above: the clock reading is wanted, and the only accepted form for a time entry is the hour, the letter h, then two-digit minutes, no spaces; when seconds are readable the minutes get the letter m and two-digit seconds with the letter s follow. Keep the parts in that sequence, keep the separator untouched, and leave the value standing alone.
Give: 12h36
